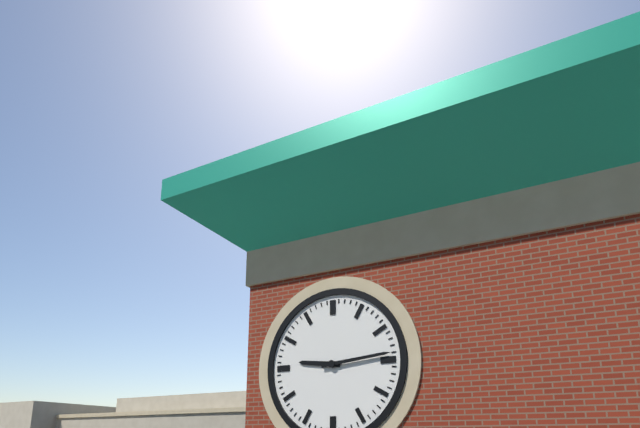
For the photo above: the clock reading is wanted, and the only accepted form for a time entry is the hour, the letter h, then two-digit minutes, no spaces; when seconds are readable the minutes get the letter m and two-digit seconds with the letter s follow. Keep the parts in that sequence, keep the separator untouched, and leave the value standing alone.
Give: 9h14
